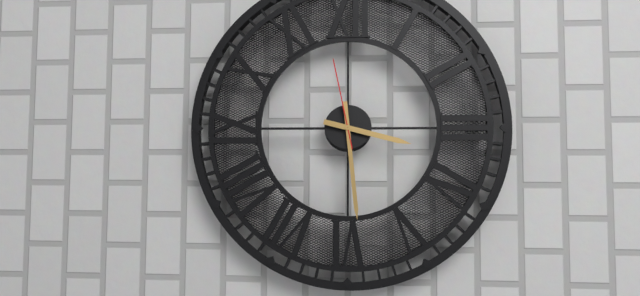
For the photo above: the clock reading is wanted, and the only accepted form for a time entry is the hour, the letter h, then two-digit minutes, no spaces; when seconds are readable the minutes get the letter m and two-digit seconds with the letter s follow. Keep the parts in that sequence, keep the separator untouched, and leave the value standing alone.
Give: 3h29m58s
